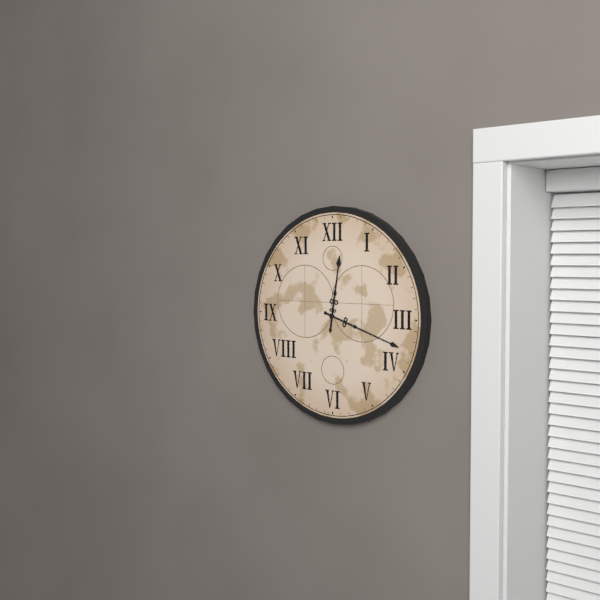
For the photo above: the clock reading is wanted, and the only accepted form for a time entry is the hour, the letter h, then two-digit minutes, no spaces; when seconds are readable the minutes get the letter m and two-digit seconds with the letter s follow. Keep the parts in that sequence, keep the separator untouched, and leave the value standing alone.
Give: 12h18
